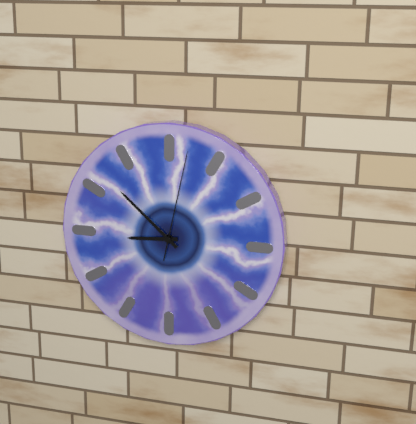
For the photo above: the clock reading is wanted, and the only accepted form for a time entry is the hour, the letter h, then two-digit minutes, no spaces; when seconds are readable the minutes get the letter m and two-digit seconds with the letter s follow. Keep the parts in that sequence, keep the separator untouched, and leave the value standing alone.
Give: 8h52m02s
